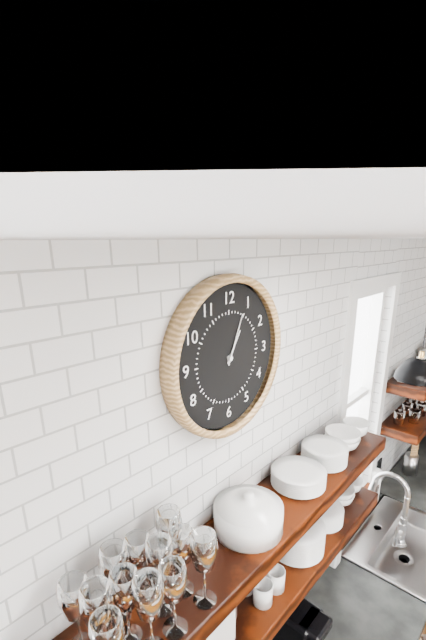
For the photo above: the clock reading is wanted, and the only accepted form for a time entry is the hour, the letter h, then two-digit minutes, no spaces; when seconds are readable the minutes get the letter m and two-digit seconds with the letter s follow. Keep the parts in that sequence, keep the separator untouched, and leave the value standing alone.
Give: 1h04
